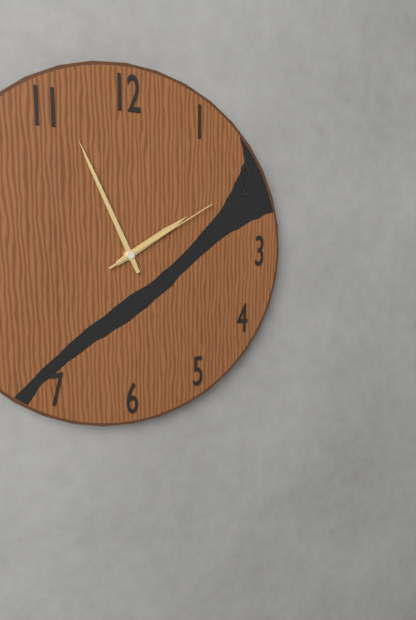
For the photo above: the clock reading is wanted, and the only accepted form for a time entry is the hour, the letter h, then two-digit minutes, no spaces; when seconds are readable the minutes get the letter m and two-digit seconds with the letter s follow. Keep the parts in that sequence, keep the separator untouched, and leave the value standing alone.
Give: 1h56m10s
